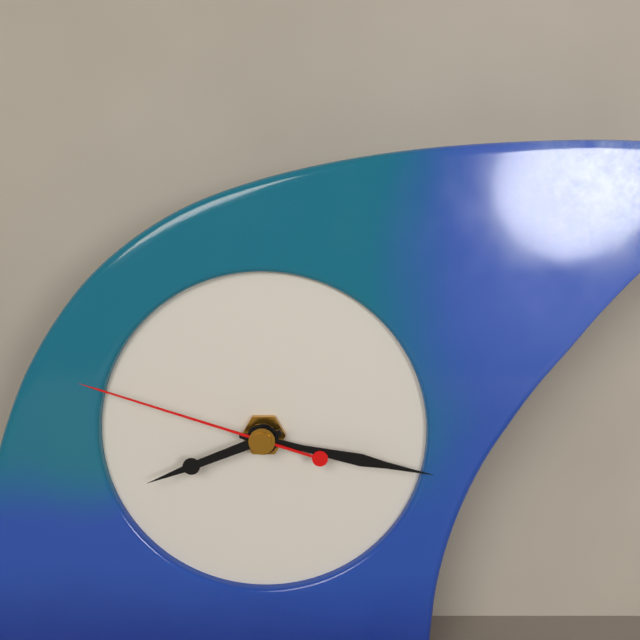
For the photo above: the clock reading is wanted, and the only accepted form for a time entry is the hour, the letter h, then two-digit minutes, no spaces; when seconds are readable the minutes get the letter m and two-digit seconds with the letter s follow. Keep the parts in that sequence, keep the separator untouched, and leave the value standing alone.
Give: 8h17m48s
